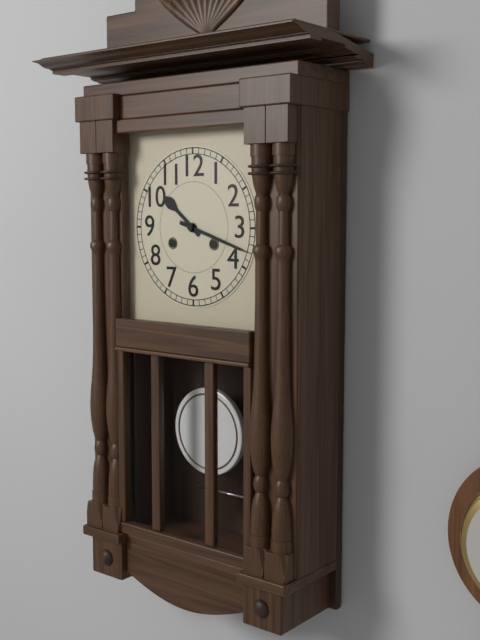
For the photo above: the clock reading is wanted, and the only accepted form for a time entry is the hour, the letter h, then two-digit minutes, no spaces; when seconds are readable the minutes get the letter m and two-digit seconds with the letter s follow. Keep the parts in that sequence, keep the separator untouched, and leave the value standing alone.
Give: 10h18
